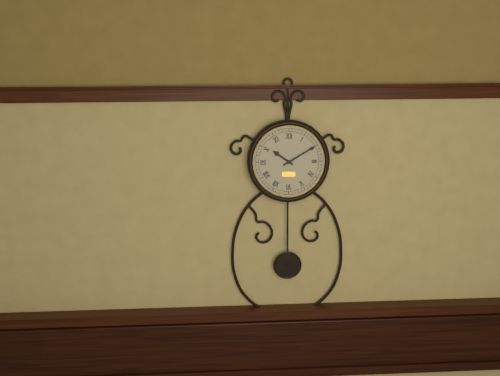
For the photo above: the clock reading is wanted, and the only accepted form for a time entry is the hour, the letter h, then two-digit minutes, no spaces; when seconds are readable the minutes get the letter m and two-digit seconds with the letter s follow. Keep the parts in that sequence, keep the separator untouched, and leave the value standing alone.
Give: 10h10
